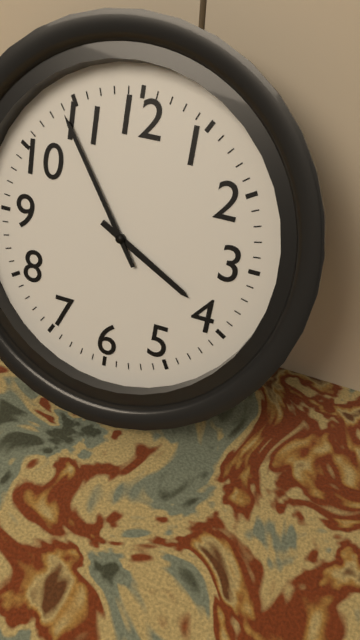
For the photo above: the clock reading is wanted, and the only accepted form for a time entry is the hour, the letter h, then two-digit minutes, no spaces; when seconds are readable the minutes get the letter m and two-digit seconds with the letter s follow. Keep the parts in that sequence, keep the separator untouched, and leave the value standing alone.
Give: 3h54
